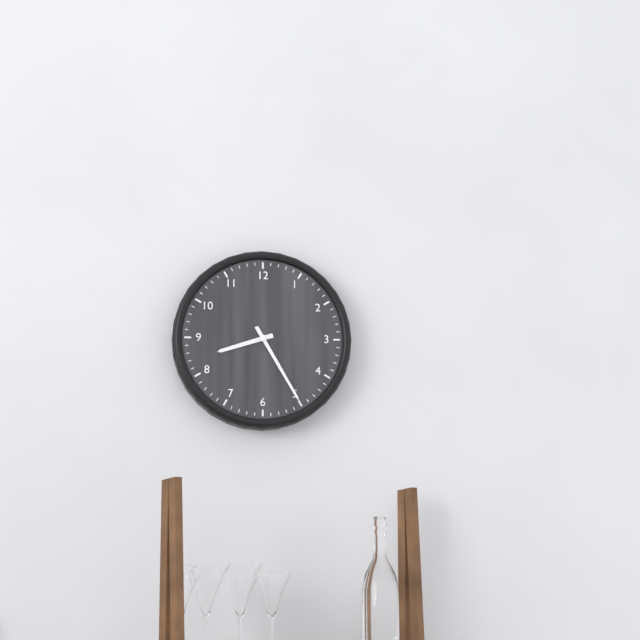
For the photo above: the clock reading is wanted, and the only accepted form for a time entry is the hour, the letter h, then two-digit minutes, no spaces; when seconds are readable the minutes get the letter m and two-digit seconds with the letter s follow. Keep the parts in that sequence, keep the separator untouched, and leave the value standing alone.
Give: 8h25
